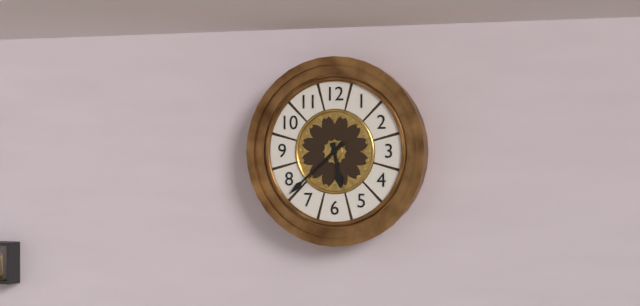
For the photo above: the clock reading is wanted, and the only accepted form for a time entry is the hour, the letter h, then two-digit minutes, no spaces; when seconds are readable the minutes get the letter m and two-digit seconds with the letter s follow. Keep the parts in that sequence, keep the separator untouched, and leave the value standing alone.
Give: 5h38
